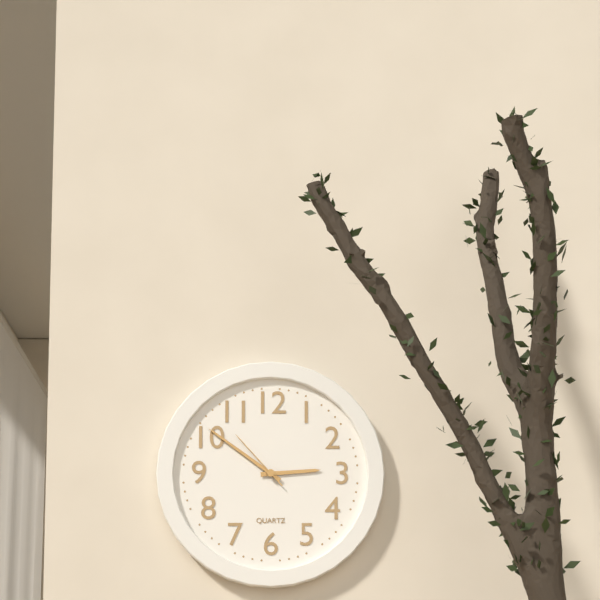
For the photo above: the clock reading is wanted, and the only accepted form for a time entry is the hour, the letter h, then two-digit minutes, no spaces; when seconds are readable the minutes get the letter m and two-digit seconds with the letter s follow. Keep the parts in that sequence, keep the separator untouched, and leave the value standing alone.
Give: 2h51m53s
